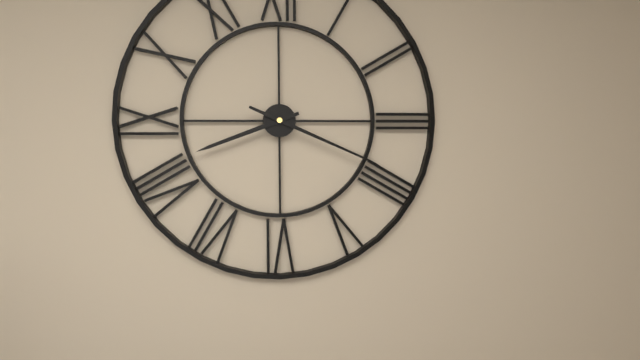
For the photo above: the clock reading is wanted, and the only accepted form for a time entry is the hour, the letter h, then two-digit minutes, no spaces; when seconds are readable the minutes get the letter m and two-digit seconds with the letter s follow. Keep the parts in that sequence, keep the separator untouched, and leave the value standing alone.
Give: 8h19
